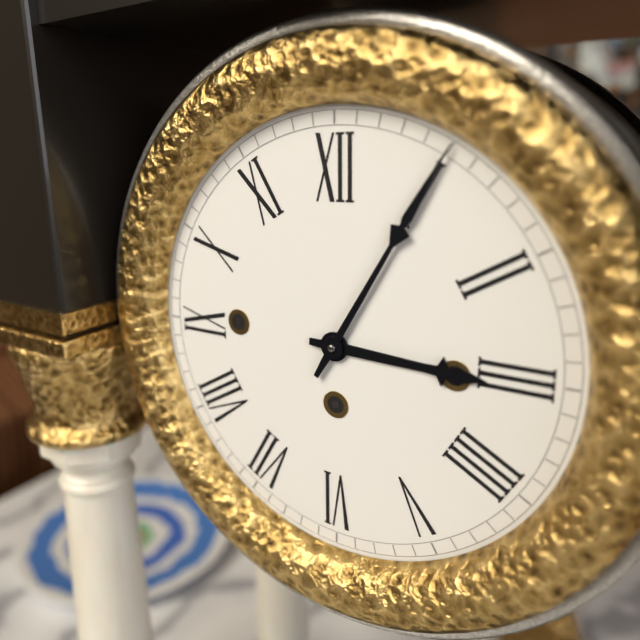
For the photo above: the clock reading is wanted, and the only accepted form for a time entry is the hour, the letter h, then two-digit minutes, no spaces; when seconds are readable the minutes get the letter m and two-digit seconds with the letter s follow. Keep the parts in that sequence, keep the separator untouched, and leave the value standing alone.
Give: 3h05
